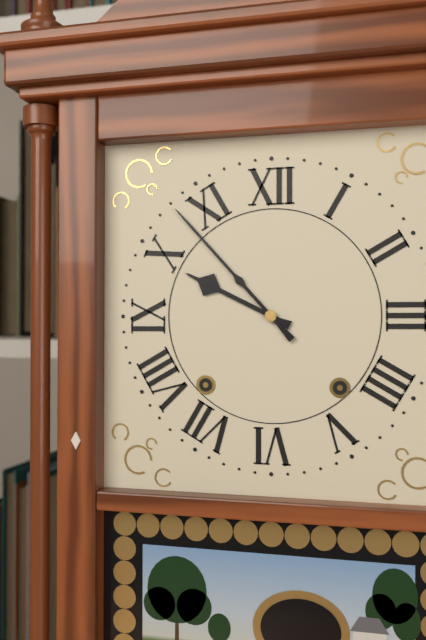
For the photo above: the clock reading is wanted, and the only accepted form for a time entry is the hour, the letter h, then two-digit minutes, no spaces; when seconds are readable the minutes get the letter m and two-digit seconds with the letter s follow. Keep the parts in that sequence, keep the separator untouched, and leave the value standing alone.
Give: 9h53
